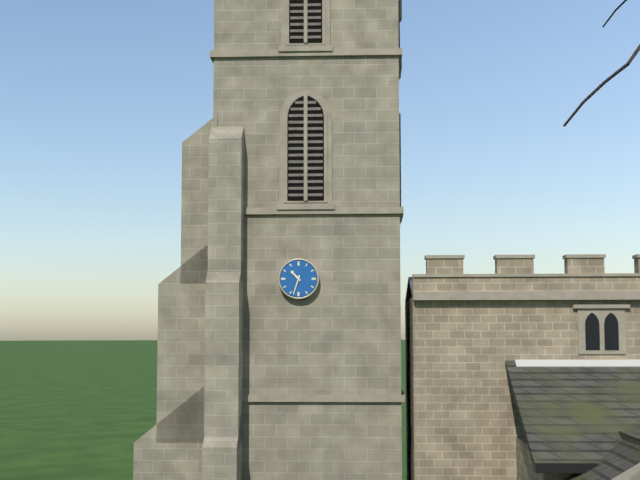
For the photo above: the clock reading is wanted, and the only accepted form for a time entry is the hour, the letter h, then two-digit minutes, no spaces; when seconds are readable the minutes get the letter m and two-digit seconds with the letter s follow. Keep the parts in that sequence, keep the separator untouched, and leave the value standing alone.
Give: 10h33
